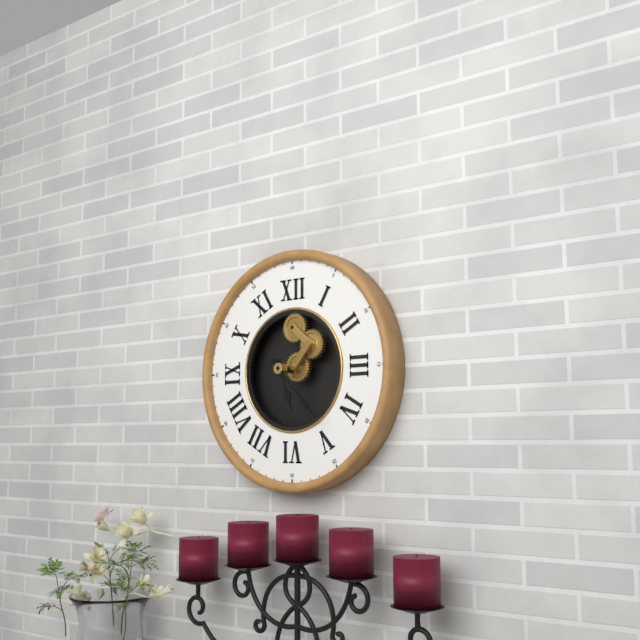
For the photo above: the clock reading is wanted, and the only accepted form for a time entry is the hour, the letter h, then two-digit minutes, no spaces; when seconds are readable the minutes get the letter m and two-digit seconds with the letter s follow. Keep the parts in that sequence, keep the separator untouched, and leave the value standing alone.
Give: 5h23
